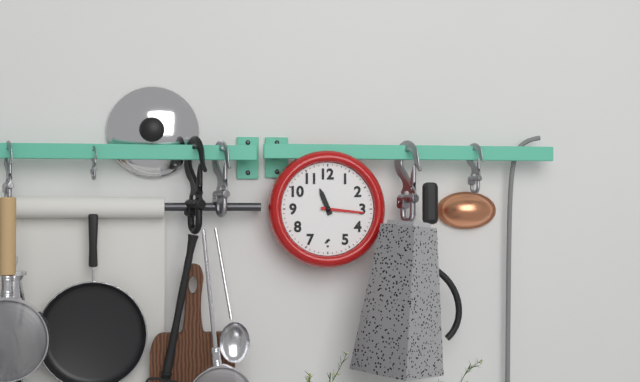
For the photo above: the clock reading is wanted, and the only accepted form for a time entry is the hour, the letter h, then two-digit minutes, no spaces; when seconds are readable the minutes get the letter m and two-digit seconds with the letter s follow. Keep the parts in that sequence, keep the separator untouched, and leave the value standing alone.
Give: 11h16
